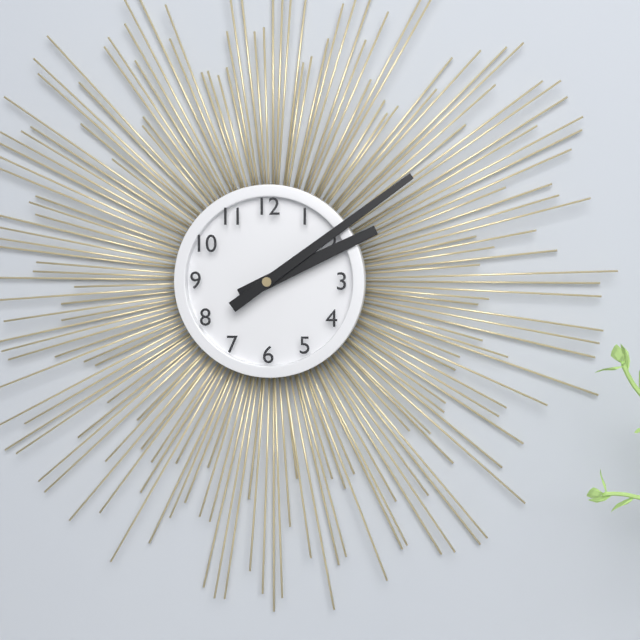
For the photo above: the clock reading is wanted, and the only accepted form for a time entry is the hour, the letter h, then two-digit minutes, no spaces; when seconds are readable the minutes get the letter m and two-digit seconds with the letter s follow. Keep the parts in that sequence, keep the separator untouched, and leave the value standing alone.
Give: 2h09
